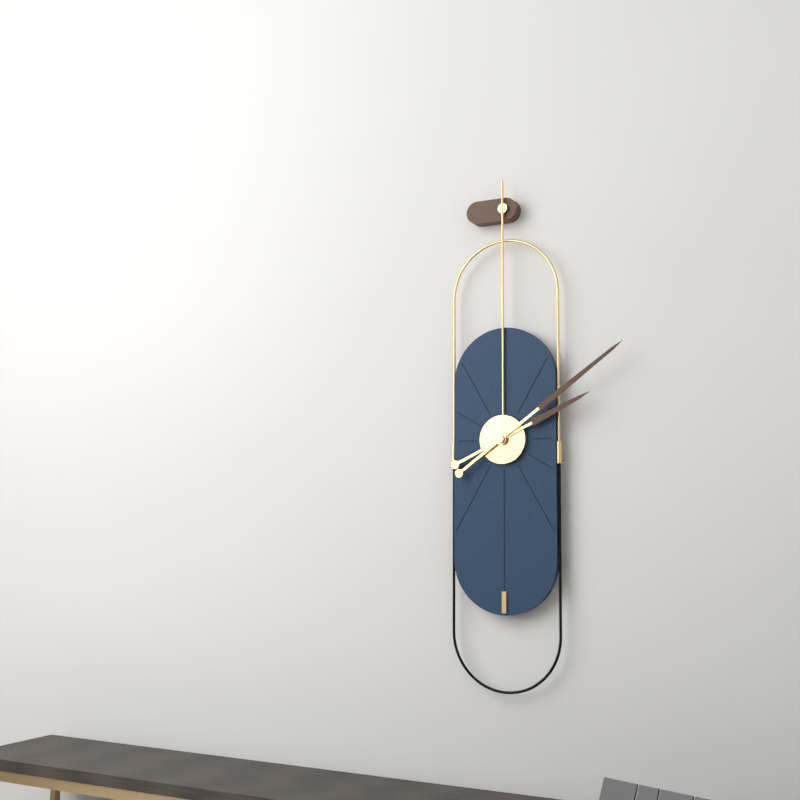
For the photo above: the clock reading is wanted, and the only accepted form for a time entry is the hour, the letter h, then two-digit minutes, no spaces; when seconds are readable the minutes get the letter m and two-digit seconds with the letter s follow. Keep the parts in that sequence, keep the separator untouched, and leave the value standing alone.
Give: 2h09
